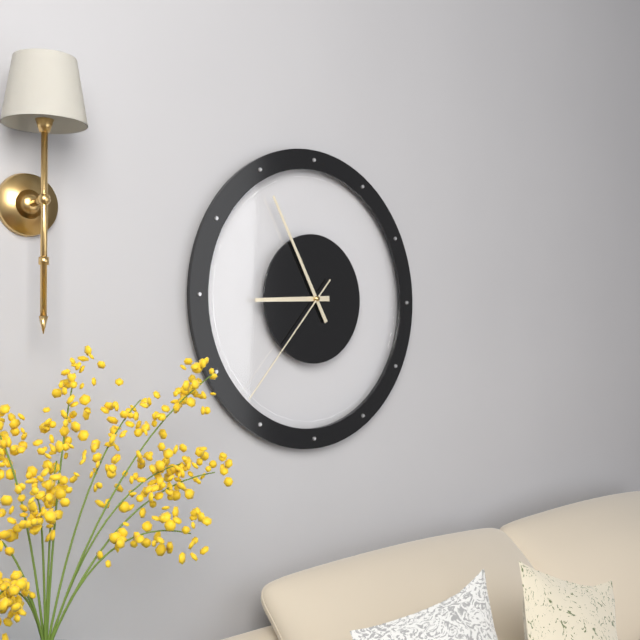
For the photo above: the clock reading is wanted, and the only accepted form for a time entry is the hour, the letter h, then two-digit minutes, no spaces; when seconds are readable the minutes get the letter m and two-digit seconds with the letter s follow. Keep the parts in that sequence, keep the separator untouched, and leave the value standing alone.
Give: 8h55m37s
